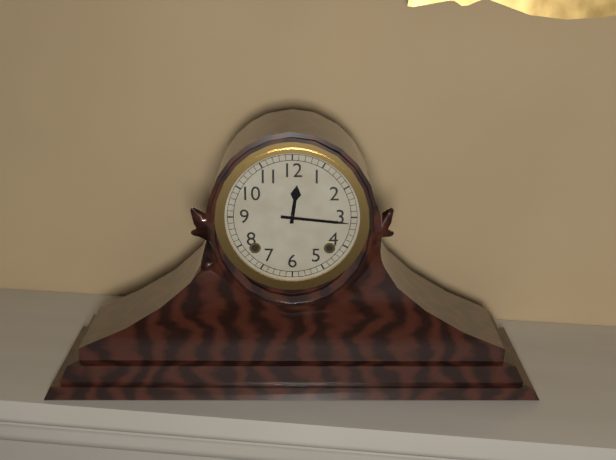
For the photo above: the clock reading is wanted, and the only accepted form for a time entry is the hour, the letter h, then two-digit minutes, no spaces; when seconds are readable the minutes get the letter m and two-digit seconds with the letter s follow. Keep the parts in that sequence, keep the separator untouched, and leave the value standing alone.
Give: 12h16
